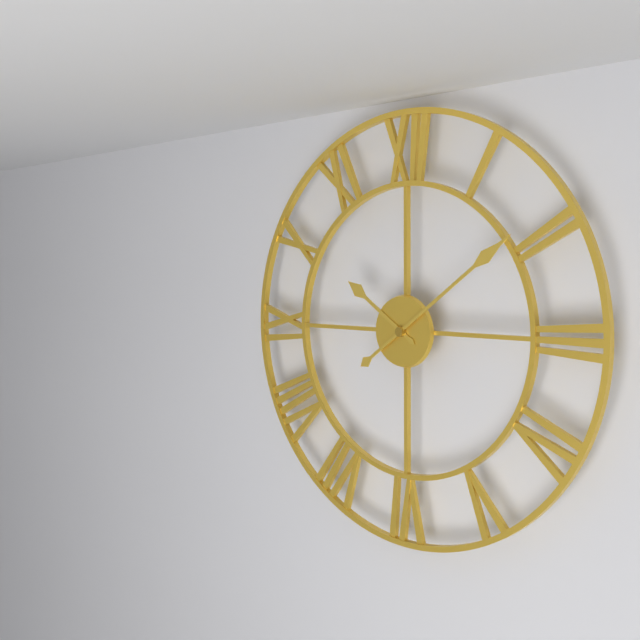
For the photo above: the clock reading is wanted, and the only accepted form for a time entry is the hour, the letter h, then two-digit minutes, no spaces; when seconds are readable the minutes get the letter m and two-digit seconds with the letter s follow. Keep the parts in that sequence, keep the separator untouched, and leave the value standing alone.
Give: 10h09
